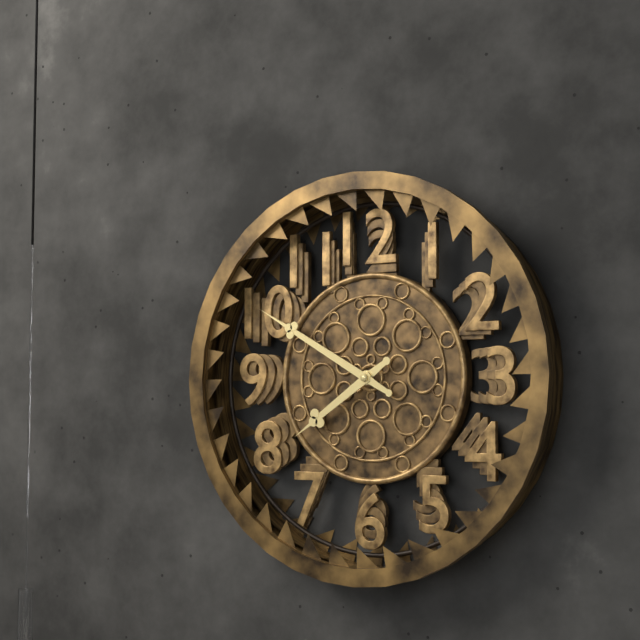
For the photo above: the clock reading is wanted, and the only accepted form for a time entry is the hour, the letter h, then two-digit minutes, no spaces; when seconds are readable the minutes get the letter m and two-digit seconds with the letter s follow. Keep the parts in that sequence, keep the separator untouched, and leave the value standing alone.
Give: 7h50
